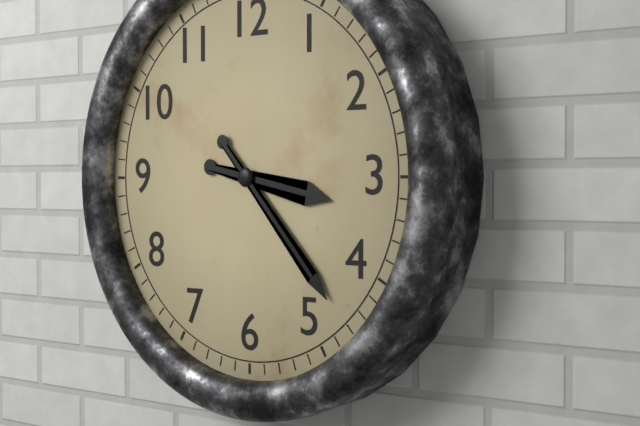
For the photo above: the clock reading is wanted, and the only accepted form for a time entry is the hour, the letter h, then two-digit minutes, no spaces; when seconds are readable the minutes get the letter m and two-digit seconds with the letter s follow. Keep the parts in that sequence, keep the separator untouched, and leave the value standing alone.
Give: 3h23
